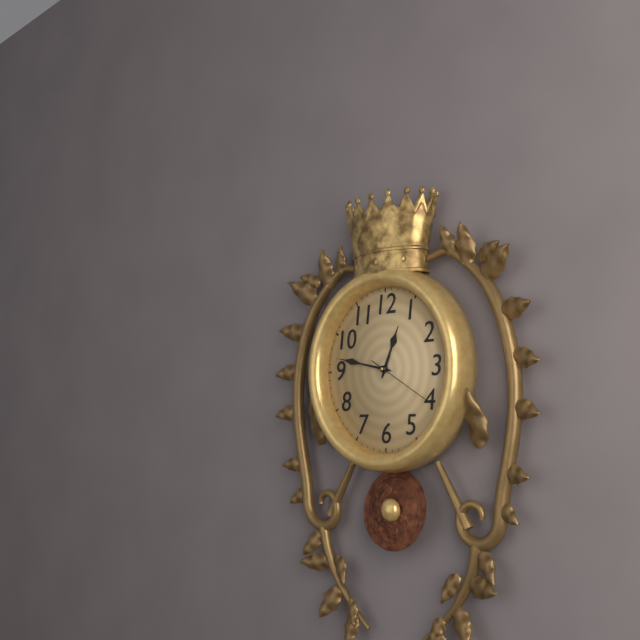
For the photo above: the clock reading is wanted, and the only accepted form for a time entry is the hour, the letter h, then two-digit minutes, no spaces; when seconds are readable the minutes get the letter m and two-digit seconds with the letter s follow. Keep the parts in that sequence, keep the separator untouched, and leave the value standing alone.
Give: 12h47m20s
